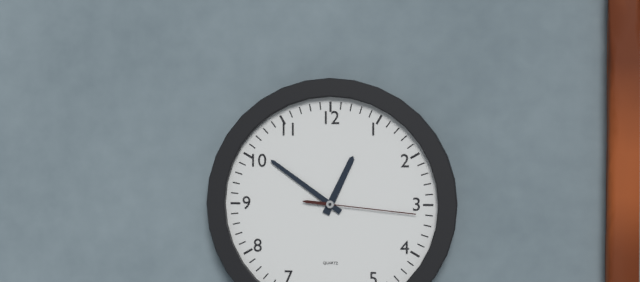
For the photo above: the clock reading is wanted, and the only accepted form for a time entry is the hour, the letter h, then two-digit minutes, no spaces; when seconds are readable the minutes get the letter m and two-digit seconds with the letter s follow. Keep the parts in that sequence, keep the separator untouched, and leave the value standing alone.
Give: 12h51m16s
